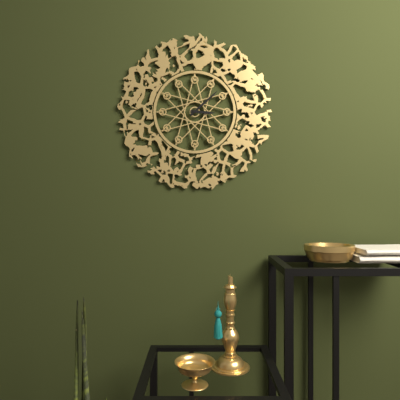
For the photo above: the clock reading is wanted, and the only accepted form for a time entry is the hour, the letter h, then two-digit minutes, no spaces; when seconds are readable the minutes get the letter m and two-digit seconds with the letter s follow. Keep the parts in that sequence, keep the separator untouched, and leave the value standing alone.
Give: 3h08
